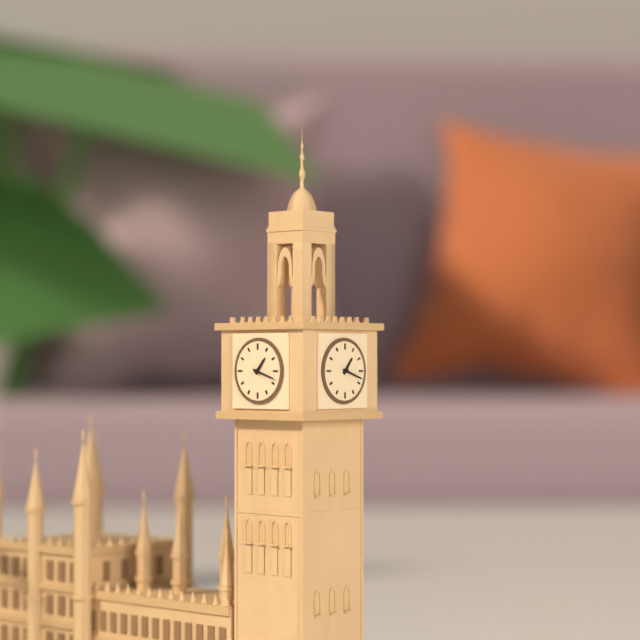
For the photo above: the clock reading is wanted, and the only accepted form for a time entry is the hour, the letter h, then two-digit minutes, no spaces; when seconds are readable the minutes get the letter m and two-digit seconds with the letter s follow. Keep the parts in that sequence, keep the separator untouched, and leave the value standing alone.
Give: 1h18
